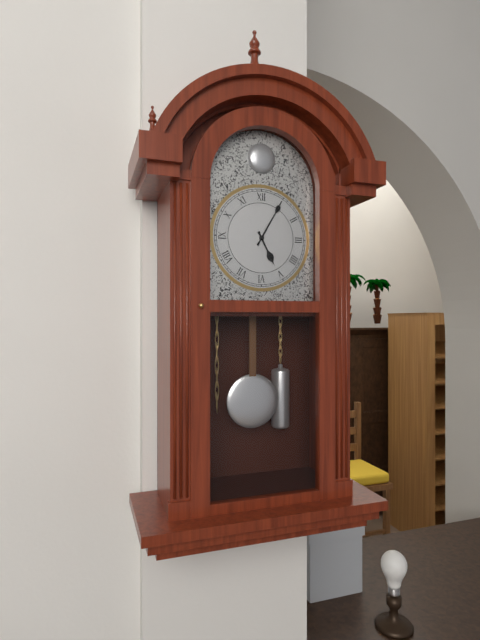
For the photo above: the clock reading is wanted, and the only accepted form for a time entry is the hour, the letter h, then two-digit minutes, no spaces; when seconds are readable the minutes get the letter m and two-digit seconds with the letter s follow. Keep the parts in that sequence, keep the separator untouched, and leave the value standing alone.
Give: 5h05
